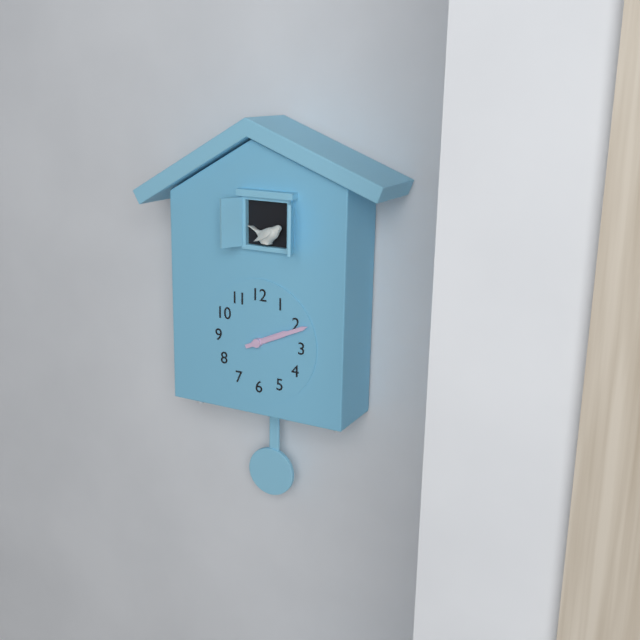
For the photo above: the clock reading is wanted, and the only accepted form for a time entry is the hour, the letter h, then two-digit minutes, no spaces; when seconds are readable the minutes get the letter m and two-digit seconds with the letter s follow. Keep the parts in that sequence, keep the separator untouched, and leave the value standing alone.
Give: 2h11
